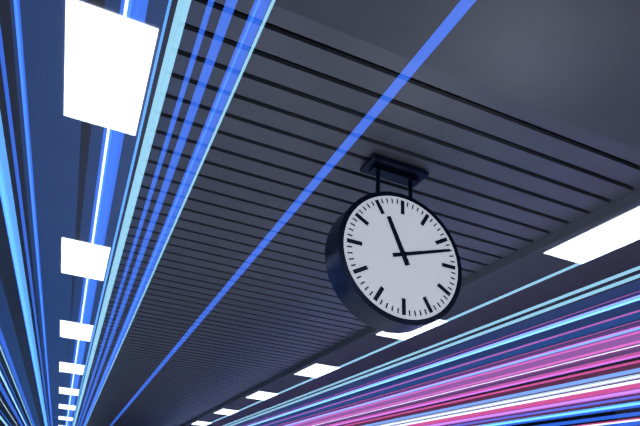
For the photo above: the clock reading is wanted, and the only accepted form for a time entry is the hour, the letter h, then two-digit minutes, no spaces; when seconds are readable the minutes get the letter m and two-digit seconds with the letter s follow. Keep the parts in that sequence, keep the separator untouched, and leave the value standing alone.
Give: 11h12
